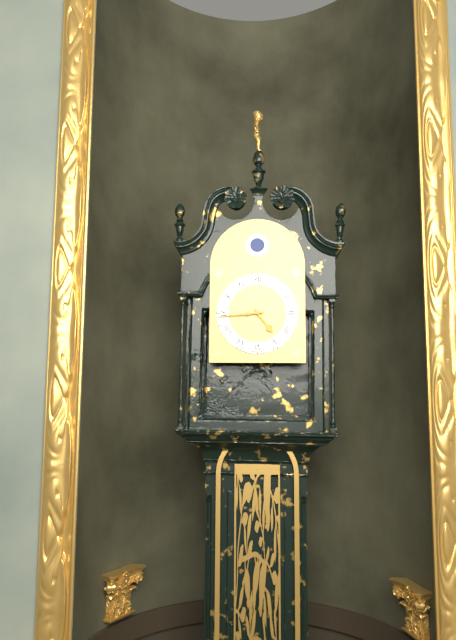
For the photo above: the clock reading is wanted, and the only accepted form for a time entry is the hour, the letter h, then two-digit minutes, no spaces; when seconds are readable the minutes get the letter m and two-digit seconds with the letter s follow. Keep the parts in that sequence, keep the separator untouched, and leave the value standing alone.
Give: 4h44
